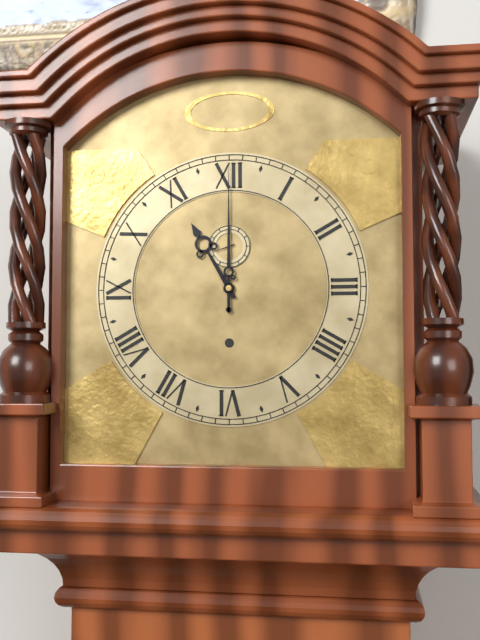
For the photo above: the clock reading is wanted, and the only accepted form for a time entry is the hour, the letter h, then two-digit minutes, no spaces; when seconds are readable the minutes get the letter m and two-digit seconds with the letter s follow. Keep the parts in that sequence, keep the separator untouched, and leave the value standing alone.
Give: 11h00
